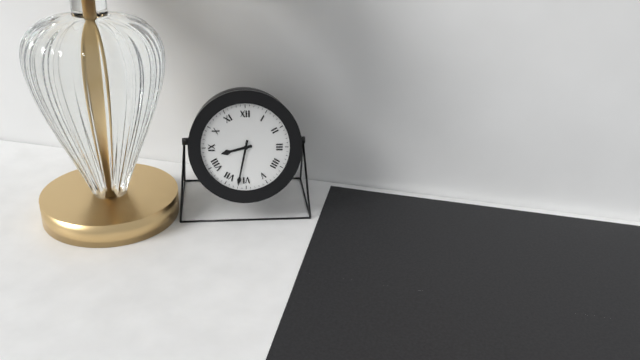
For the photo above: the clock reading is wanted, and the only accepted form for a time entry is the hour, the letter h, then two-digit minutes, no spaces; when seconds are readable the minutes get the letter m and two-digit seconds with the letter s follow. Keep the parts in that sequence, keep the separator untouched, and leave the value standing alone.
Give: 8h32
